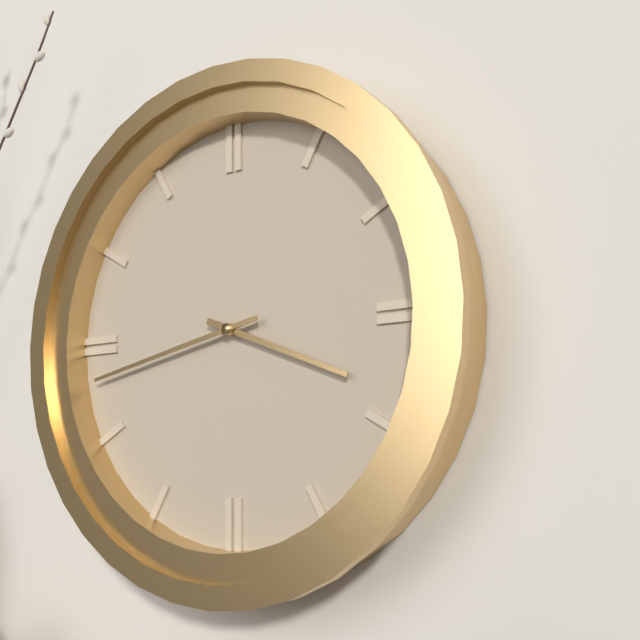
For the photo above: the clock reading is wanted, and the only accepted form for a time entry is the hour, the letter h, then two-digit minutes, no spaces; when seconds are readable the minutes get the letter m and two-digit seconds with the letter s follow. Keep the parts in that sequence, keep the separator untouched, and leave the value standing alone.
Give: 3h43
